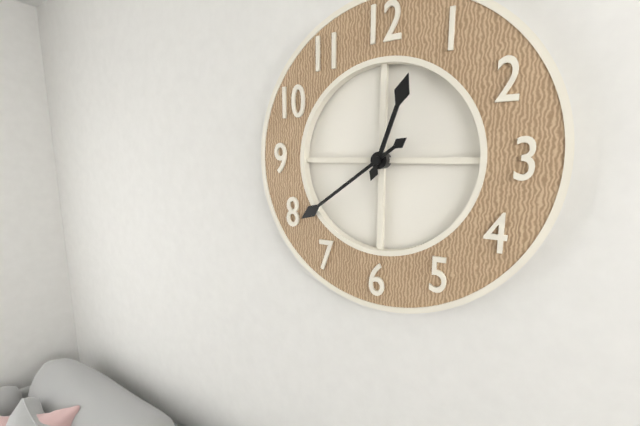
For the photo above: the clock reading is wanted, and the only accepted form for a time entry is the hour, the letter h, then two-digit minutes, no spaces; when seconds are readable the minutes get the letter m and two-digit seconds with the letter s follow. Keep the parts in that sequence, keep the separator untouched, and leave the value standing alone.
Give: 12h39
